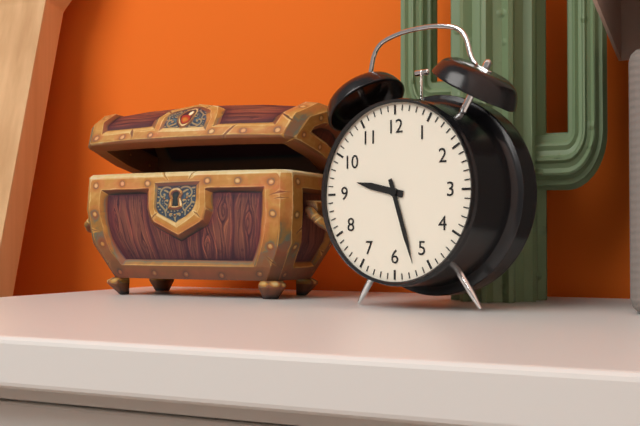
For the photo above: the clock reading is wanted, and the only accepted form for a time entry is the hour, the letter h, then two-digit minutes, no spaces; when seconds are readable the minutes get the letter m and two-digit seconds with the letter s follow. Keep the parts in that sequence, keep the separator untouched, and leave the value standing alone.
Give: 9h27
